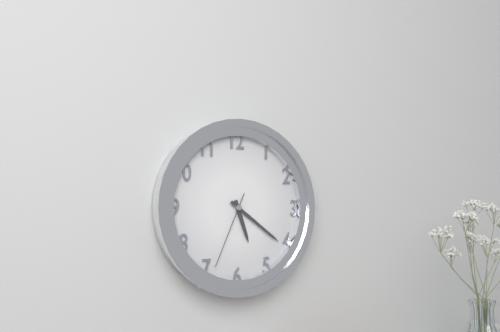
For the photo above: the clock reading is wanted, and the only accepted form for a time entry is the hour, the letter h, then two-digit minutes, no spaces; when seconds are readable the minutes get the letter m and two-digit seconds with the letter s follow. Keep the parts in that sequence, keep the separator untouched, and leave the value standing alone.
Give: 5h21m34s
